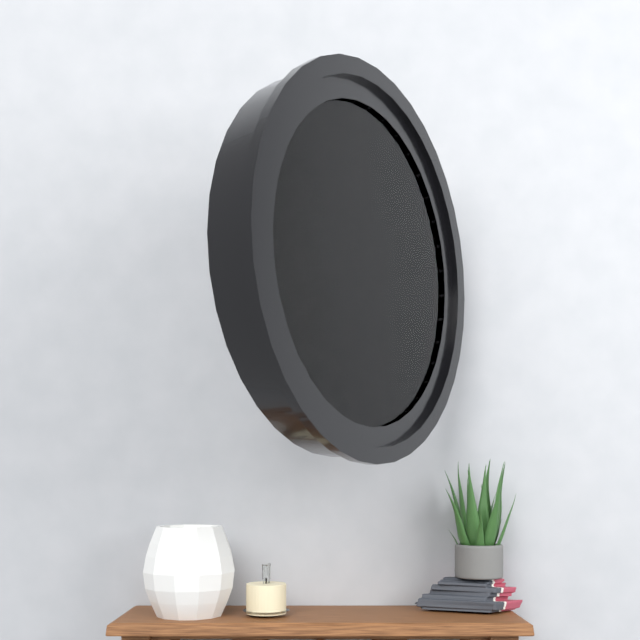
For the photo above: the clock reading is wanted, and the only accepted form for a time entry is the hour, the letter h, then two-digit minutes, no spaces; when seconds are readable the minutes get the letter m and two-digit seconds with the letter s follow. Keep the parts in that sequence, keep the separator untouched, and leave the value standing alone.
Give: 5h29m35s
